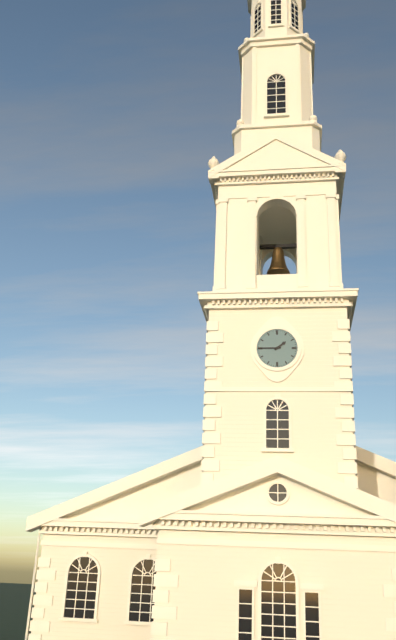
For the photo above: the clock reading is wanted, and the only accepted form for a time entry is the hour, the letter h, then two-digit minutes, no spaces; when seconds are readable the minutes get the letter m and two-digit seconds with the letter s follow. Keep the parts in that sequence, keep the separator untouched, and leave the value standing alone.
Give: 1h45
